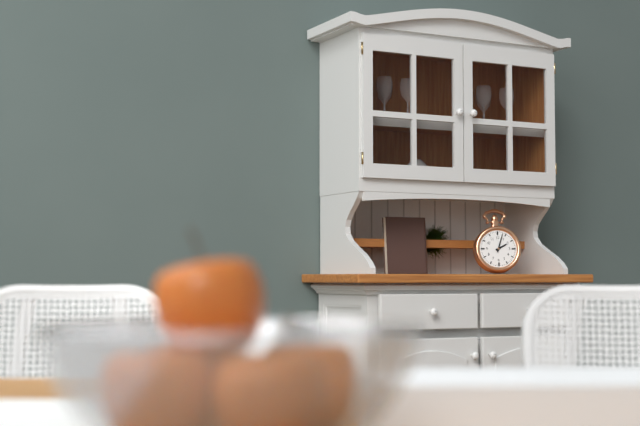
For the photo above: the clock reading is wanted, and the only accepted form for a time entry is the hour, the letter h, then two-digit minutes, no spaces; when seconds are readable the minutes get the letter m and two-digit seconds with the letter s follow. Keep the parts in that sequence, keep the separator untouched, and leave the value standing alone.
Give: 2h03
